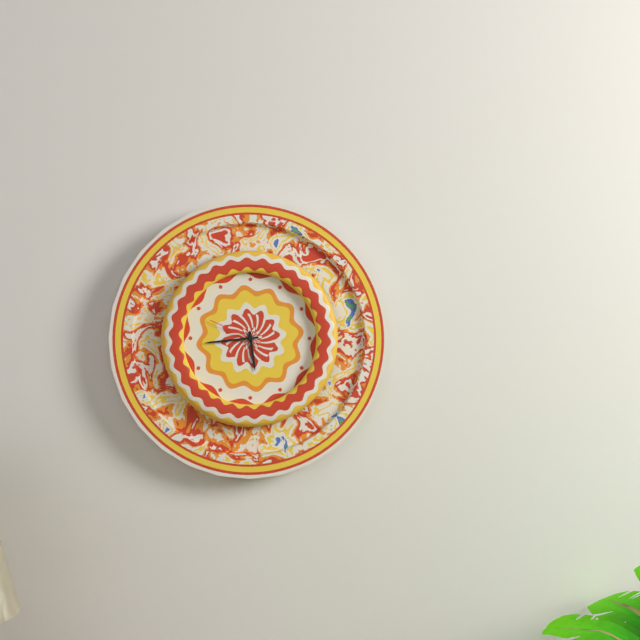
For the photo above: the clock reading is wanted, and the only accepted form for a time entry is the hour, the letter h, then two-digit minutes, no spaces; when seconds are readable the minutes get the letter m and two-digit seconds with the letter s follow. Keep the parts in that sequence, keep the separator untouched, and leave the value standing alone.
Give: 5h44m49s
